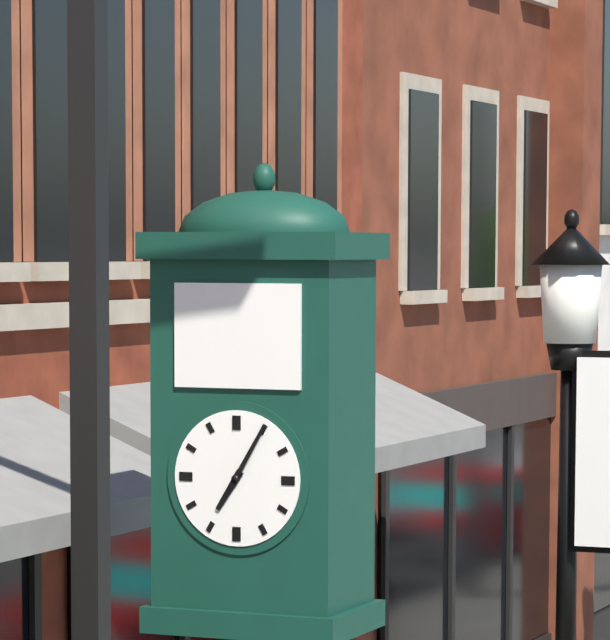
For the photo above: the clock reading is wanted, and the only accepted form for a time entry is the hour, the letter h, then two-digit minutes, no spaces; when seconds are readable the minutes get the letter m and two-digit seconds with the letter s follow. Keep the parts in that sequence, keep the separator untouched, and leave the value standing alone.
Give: 7h05
